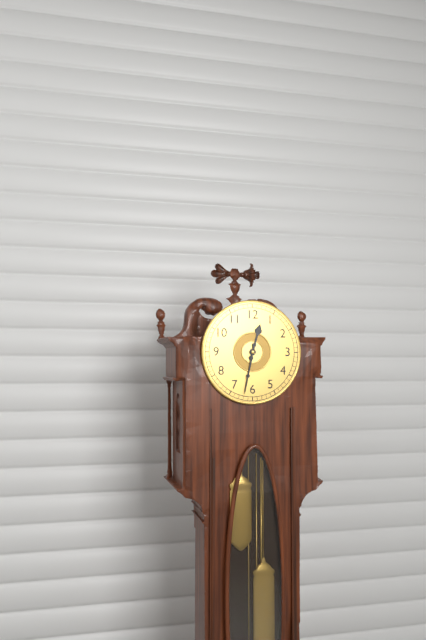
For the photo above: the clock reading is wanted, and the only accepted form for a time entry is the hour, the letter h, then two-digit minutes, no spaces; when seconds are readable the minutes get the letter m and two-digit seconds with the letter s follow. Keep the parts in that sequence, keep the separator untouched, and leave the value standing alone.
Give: 12h32
